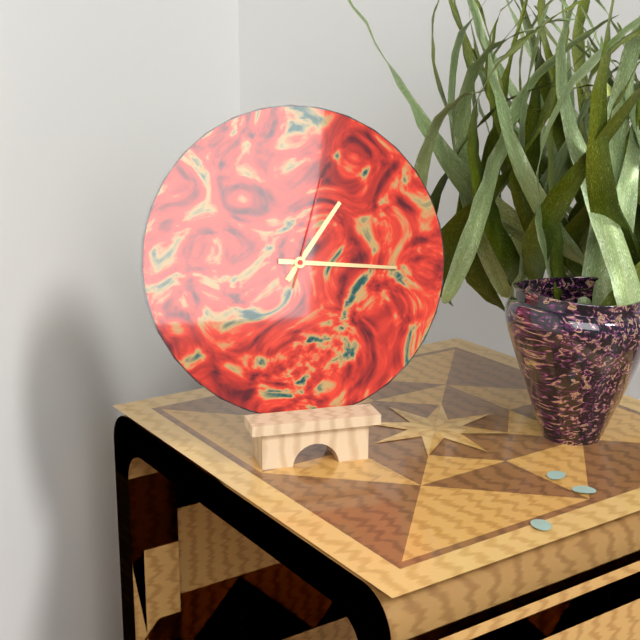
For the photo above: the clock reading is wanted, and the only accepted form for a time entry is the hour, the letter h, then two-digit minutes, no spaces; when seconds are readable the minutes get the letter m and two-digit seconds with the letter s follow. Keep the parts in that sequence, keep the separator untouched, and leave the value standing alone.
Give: 1h16m03s
